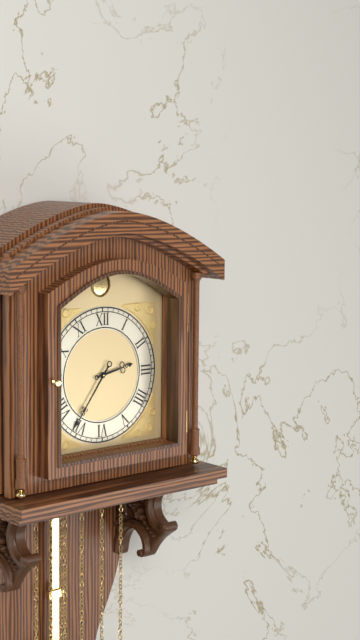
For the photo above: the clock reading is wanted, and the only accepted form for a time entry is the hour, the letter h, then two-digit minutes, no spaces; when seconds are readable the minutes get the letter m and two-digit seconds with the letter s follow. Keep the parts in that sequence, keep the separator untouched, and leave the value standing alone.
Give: 2h36
